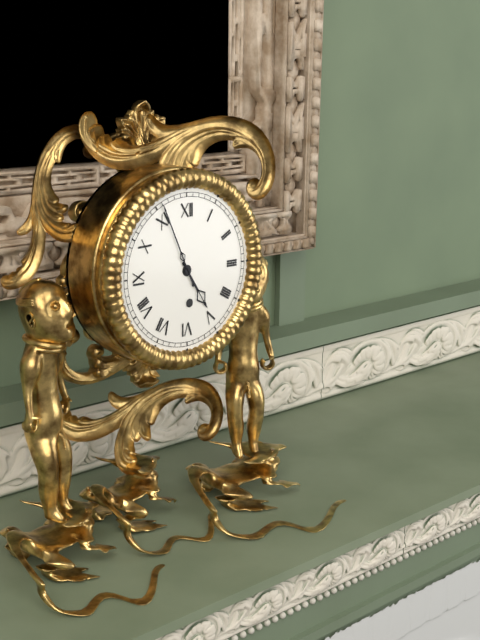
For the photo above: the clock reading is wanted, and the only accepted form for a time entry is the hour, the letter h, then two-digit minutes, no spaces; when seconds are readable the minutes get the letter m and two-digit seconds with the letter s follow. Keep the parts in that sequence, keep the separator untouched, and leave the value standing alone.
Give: 4h56
